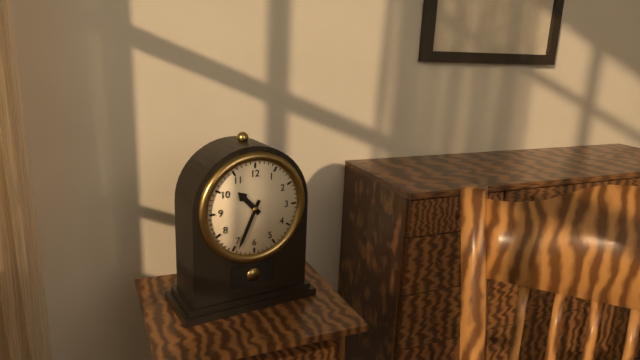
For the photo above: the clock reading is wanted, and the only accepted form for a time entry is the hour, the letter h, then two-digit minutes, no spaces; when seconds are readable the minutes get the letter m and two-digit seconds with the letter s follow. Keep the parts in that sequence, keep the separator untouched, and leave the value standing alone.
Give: 10h34
